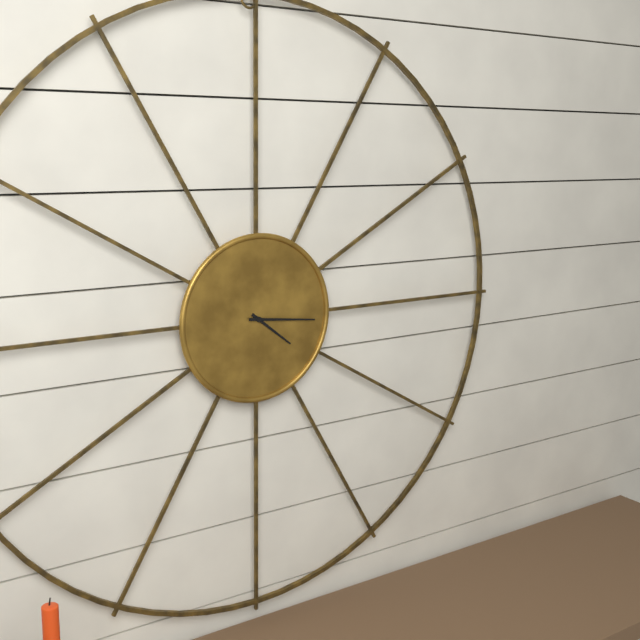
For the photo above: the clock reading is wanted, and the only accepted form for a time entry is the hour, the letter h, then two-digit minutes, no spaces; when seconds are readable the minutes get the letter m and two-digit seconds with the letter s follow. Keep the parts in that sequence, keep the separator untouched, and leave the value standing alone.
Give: 4h16
